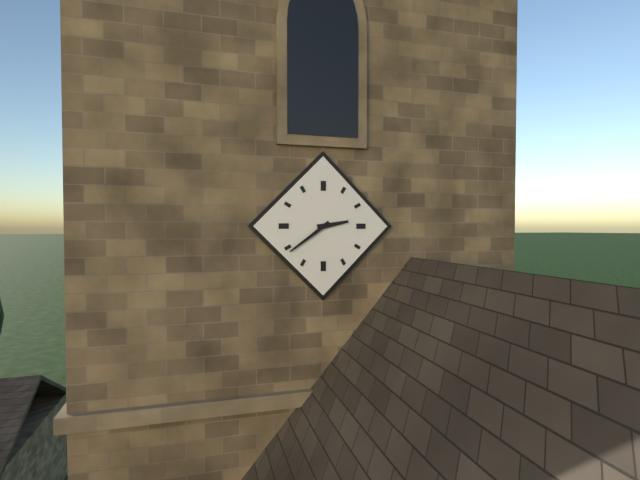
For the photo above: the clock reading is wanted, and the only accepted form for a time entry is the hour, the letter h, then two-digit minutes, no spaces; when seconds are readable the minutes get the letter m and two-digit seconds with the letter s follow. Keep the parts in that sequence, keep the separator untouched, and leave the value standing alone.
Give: 2h39
